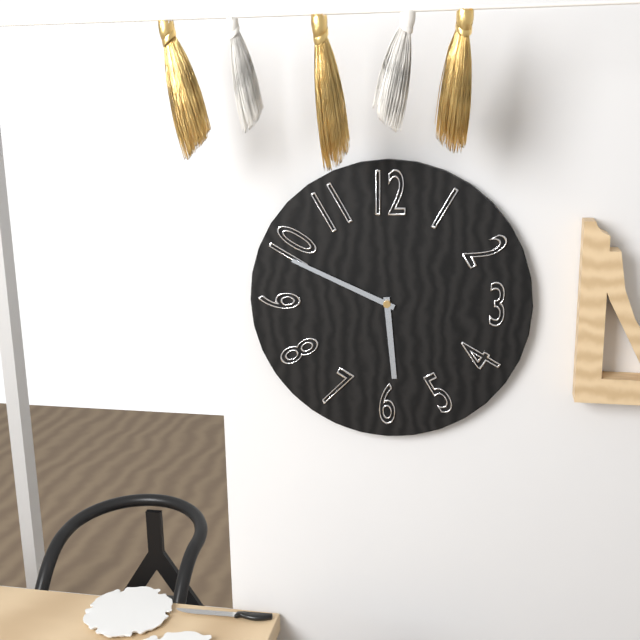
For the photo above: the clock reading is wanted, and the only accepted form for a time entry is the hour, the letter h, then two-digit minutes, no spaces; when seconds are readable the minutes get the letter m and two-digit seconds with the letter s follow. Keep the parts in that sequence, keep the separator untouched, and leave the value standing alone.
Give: 5h49
